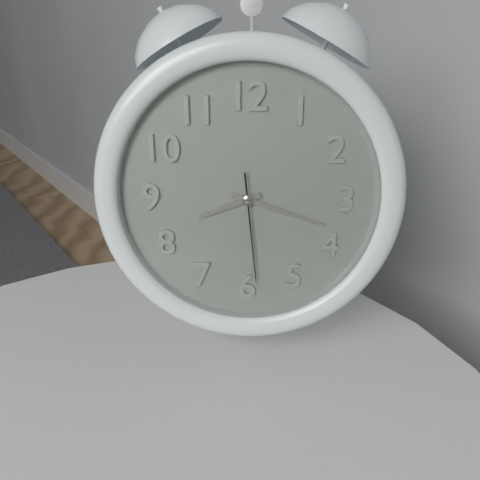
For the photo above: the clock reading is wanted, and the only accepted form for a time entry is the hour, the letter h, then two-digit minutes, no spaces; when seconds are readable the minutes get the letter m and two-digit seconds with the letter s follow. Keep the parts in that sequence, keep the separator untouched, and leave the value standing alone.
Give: 8h18m29s
